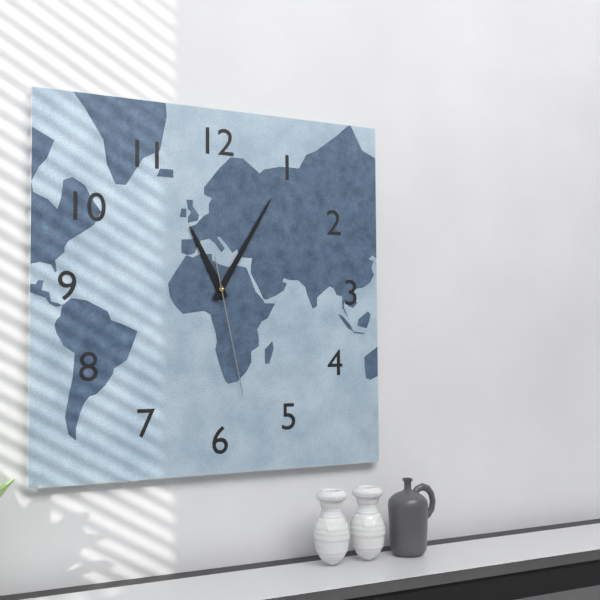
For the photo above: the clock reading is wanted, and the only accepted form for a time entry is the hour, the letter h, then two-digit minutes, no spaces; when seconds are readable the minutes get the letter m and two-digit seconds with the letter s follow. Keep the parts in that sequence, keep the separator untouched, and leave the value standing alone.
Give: 11h05m28s
